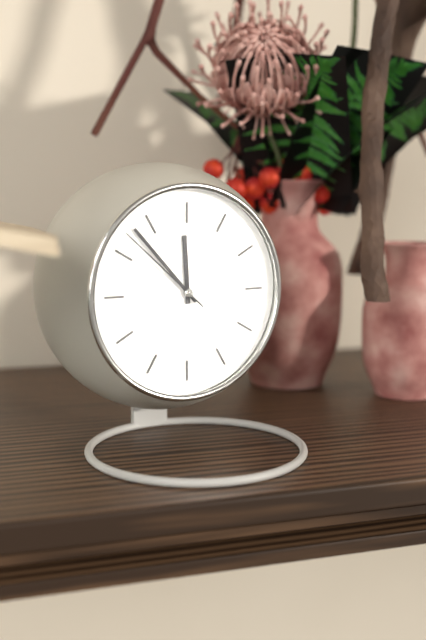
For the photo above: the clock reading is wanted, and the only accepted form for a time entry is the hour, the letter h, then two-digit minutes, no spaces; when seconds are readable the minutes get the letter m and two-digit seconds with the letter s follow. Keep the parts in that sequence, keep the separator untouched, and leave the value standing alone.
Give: 11h53m52s
